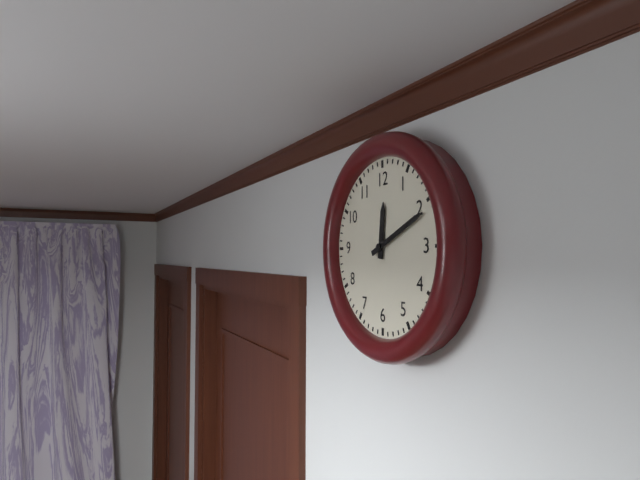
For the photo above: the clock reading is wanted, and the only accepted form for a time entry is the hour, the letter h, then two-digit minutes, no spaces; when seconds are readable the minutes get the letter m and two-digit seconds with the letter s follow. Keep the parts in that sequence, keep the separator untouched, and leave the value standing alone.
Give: 12h11
